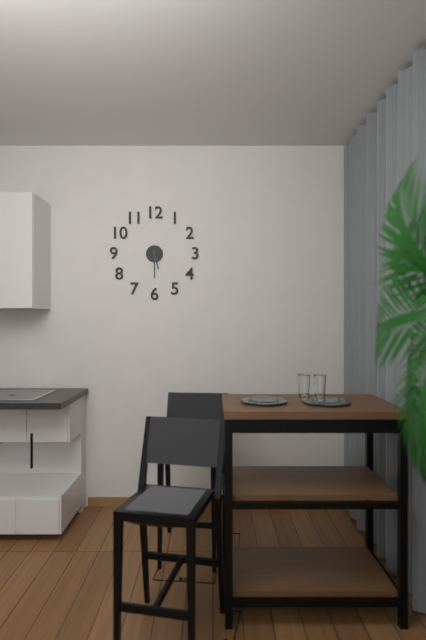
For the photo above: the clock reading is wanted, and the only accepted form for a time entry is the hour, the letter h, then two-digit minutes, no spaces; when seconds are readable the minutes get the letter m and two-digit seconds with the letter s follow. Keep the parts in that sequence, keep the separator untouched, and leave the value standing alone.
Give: 5h30
